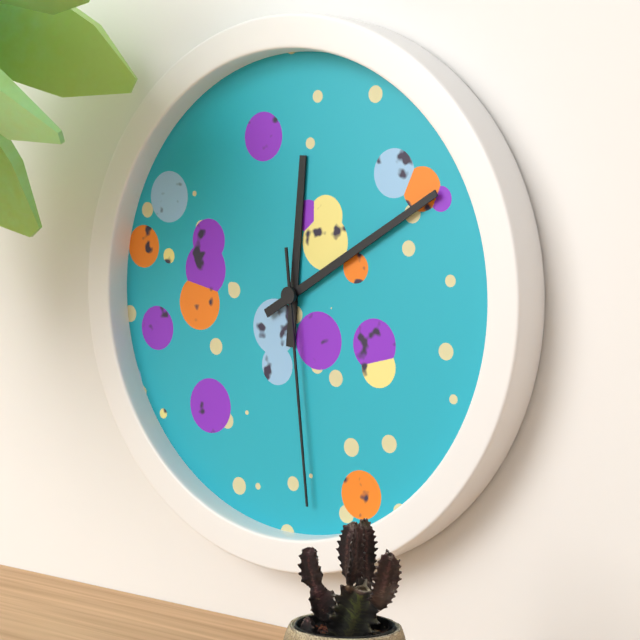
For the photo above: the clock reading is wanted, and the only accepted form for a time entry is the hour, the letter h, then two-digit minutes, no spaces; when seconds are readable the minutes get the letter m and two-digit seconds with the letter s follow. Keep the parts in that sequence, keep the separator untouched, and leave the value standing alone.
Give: 12h10m29s
